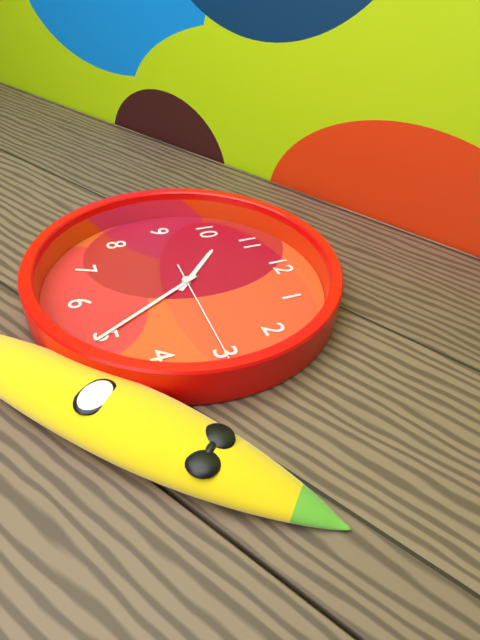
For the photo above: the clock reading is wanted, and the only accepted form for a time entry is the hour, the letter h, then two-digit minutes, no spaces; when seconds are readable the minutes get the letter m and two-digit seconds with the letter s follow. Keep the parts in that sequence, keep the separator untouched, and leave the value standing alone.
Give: 10h25m15s
